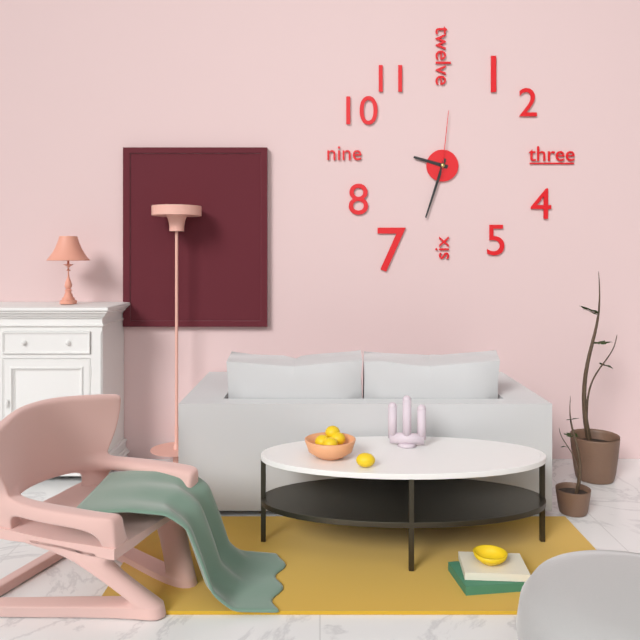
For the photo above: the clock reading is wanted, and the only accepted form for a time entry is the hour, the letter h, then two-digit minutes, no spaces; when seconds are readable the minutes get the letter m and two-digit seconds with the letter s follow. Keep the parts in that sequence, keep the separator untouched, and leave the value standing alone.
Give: 9h33m01s
